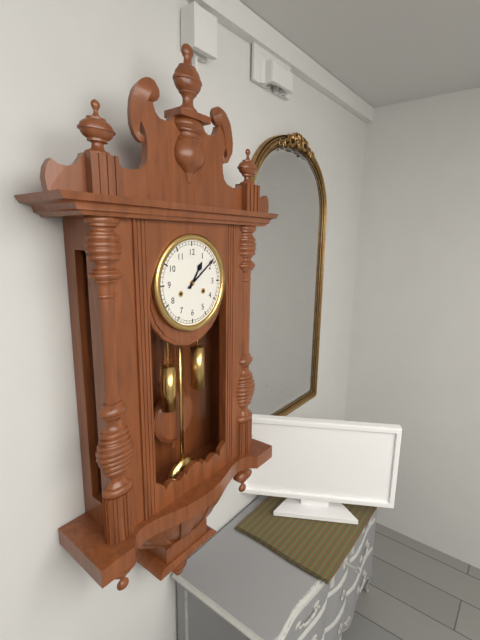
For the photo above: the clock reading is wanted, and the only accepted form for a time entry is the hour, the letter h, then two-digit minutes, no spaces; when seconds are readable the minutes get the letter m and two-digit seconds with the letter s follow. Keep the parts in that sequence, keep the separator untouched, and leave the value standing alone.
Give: 1h09
